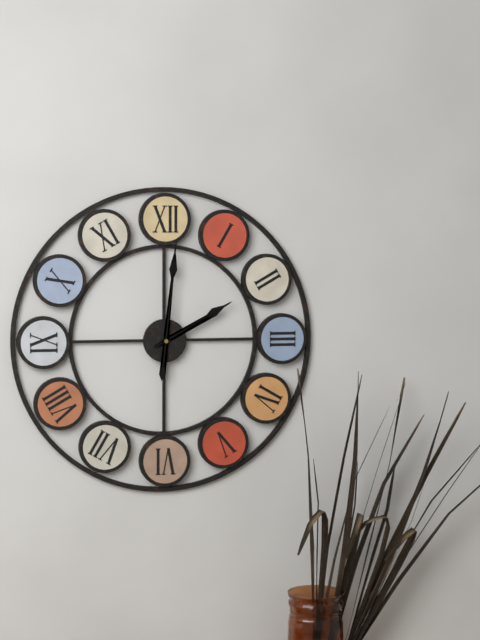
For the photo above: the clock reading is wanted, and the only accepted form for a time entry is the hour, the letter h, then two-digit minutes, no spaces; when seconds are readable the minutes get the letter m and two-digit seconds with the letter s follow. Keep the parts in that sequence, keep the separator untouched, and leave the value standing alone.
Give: 2h01
